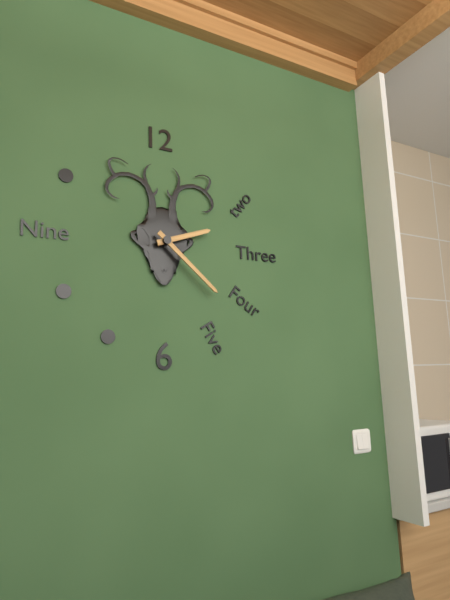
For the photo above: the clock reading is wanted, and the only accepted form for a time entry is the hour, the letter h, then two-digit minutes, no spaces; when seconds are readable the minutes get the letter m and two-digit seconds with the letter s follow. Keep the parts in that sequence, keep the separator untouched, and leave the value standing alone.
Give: 2h22
